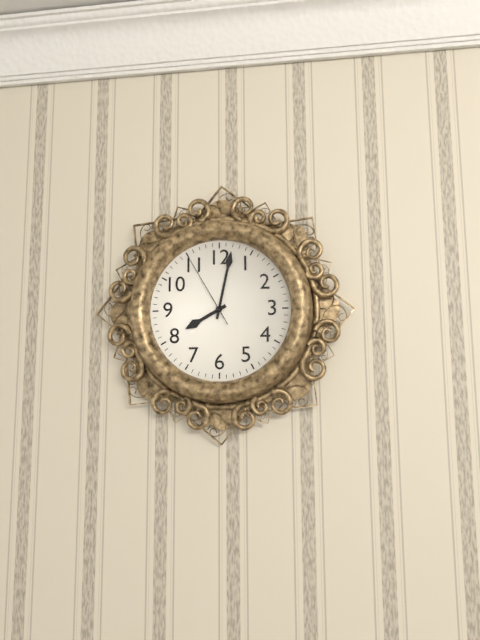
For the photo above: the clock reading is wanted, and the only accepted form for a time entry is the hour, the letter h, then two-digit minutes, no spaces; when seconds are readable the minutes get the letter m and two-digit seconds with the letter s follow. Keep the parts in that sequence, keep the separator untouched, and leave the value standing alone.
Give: 8h02m55s
